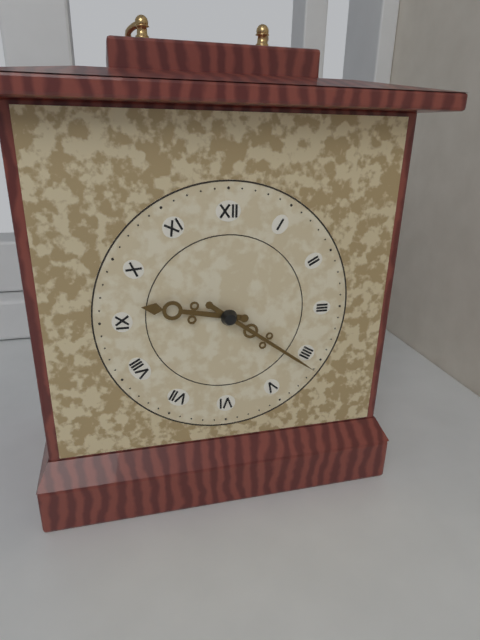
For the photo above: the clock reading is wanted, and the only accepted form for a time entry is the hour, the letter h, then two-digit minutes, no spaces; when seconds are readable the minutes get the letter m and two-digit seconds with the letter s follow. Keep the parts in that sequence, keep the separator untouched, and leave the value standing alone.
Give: 9h21
